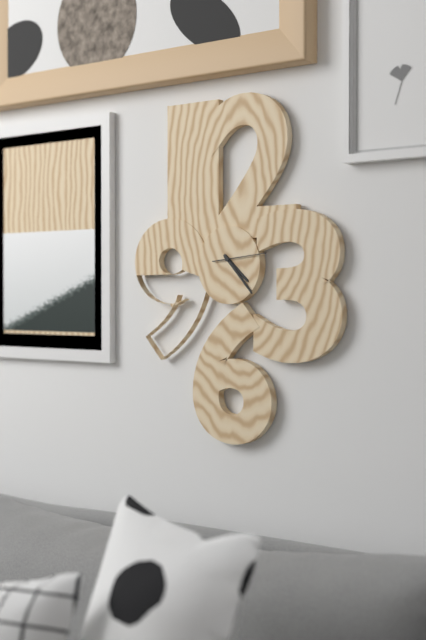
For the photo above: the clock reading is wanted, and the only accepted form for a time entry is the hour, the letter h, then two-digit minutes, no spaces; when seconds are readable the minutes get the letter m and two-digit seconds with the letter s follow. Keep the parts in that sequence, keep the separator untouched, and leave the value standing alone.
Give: 4h23
